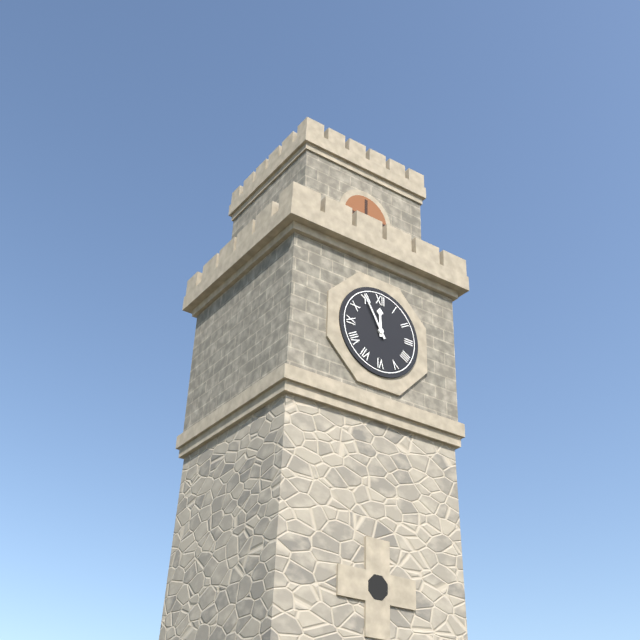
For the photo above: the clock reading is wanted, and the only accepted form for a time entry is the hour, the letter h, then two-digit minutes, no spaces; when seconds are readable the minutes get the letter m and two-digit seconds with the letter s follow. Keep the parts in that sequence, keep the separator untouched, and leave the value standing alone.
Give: 11h55
